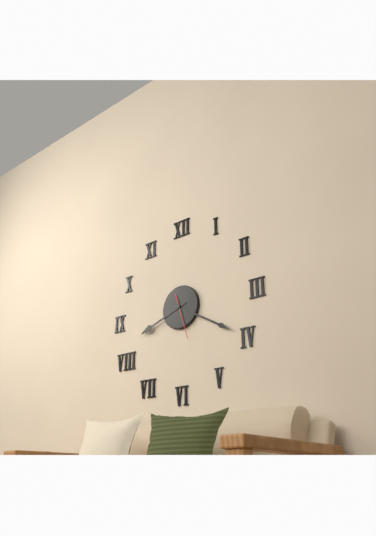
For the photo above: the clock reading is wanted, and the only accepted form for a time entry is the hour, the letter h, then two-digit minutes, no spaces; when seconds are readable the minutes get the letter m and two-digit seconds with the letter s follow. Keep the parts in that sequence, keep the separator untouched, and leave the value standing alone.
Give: 8h20
